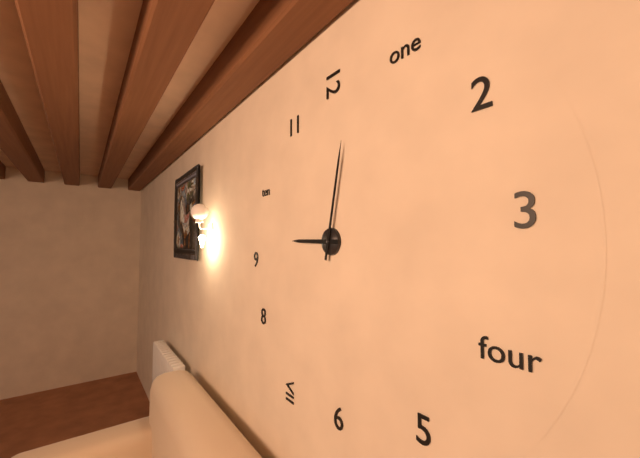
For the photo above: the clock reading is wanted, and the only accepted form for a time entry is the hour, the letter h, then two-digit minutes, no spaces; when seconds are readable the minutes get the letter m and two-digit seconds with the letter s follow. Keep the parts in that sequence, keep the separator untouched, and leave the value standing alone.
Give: 9h02
